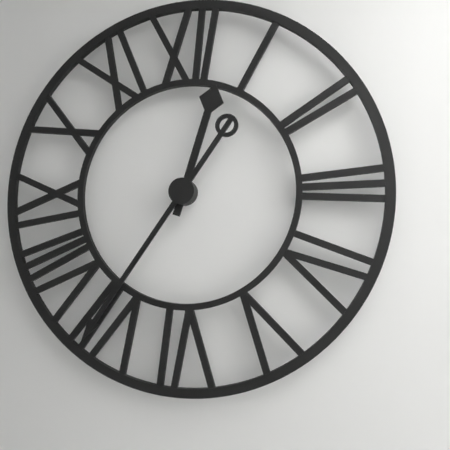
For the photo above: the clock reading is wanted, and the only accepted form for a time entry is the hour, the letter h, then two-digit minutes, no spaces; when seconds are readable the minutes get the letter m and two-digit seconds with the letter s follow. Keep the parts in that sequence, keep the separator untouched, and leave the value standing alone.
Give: 12h36
